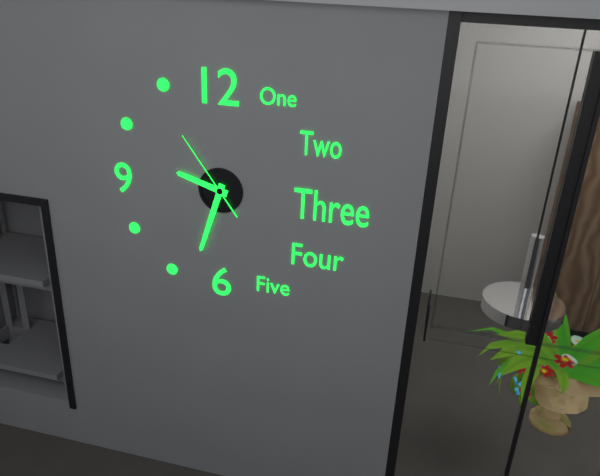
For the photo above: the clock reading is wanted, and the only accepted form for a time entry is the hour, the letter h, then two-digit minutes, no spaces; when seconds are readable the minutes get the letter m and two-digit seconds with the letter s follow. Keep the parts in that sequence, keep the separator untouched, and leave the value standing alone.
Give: 9h33m54s
